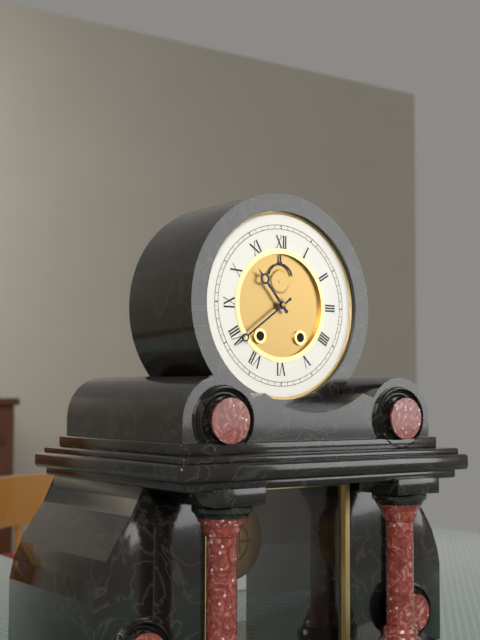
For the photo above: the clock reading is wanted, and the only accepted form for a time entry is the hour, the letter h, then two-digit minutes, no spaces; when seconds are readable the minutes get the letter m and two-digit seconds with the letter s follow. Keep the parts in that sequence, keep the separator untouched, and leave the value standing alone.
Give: 10h39
